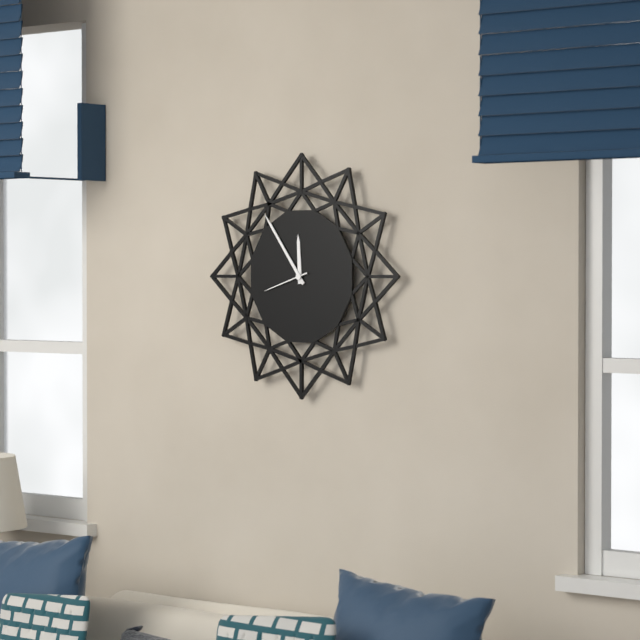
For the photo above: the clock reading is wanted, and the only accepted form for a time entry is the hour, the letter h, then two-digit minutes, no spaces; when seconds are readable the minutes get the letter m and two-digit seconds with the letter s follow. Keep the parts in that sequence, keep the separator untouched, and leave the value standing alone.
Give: 11h54m42s
